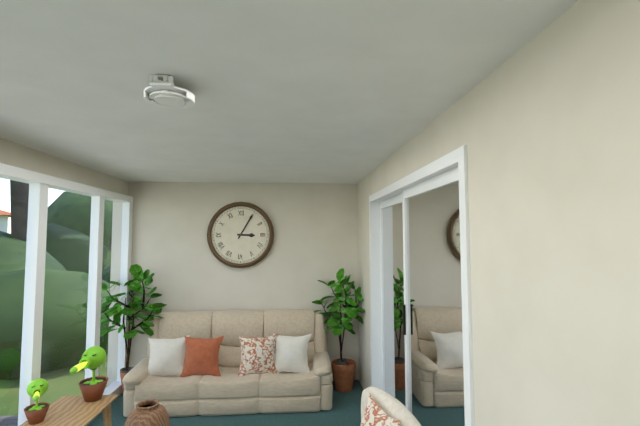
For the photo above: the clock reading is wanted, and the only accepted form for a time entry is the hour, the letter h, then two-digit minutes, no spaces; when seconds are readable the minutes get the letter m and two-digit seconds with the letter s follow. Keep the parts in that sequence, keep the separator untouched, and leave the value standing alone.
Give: 3h05
